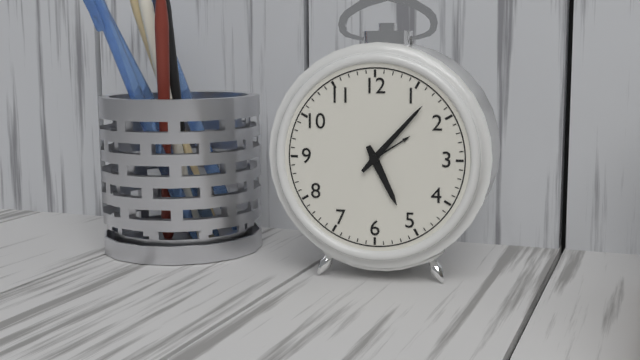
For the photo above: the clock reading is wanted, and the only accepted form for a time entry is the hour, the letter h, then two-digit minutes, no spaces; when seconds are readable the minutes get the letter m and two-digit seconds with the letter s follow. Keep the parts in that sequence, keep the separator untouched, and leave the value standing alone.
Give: 5h07
